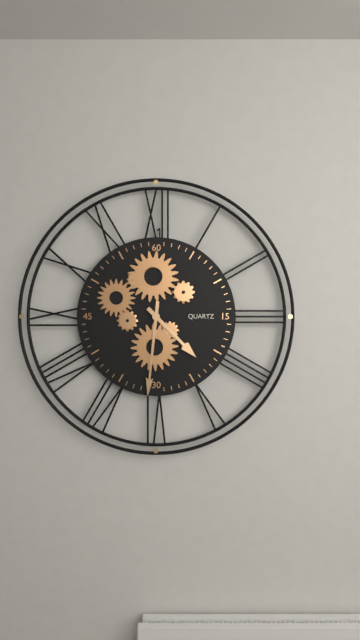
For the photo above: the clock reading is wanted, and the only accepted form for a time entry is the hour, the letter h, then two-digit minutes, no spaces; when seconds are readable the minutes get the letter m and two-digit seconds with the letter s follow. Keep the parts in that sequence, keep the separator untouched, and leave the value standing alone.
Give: 4h31
